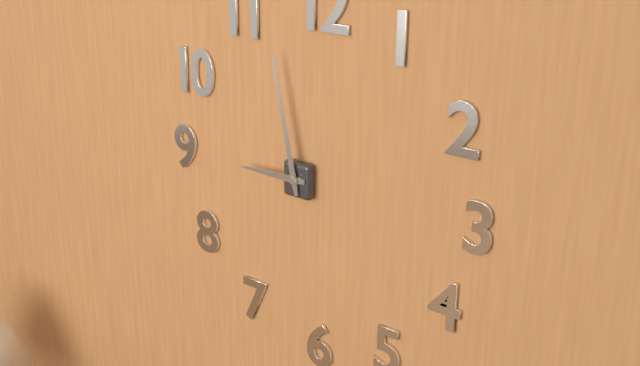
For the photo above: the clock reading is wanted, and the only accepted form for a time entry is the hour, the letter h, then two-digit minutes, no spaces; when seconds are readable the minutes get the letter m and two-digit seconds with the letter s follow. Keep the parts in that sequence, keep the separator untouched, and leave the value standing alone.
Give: 8h58
